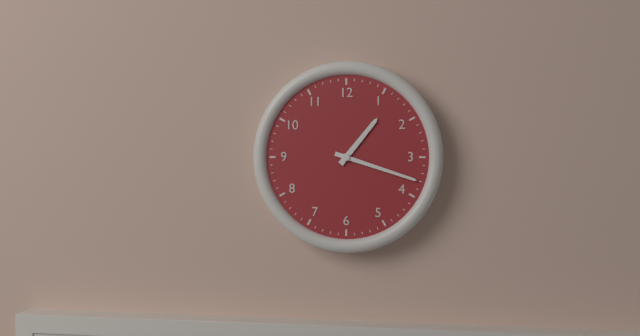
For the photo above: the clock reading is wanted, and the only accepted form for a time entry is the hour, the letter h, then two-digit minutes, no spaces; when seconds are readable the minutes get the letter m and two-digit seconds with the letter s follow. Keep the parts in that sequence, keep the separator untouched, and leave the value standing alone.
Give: 1h18
